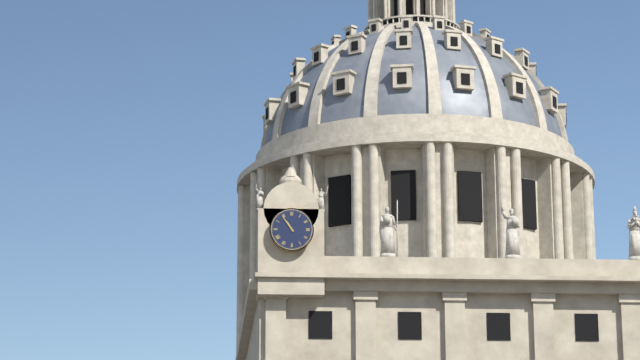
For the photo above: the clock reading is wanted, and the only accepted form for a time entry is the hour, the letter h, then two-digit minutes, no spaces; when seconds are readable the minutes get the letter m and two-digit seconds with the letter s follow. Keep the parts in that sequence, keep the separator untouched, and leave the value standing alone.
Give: 10h54
